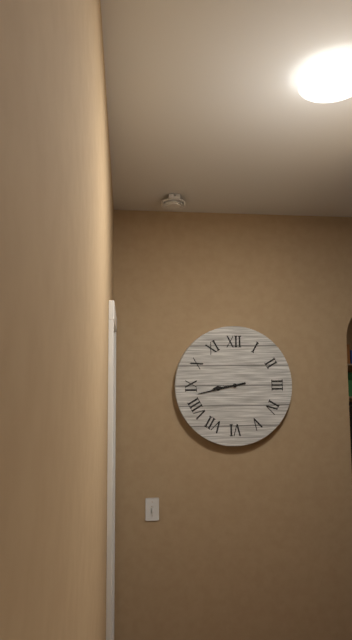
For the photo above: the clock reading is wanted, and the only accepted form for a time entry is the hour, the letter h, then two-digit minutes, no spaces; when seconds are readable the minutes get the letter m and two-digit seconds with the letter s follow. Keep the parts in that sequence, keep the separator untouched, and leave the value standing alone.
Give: 8h43
